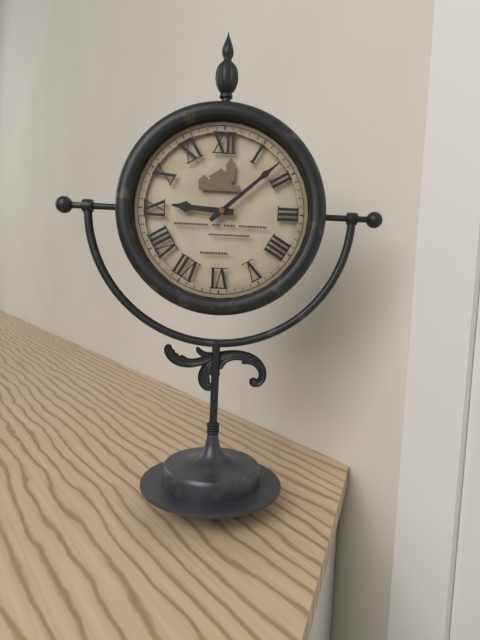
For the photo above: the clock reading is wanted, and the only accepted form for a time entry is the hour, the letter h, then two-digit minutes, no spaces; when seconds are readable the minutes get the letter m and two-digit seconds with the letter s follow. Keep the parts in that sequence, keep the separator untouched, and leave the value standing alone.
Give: 9h08
